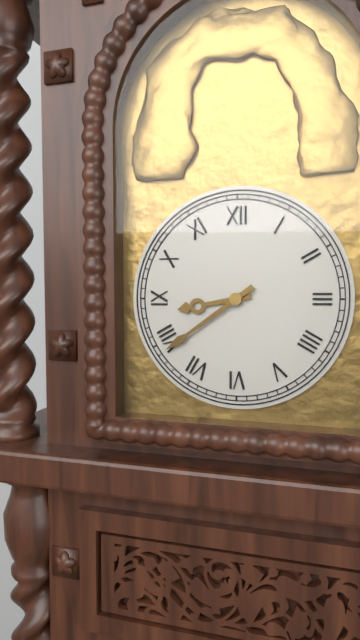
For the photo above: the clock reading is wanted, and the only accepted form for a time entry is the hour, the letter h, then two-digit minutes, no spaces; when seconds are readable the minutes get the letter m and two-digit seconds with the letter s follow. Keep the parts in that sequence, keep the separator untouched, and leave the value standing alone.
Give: 8h39
